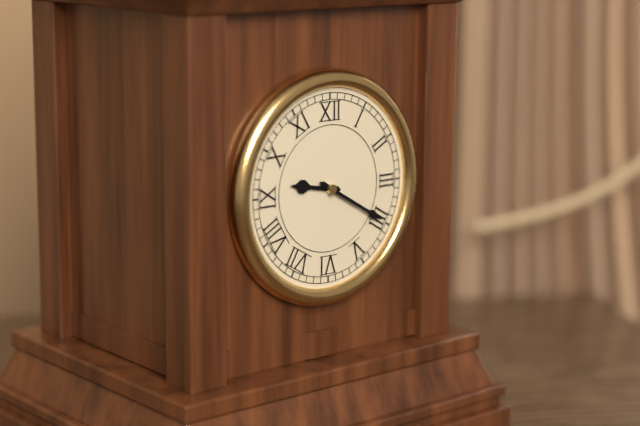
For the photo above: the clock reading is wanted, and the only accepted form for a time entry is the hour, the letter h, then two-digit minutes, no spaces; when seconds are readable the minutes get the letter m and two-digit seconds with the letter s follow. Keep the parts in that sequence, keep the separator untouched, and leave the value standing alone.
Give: 9h20
